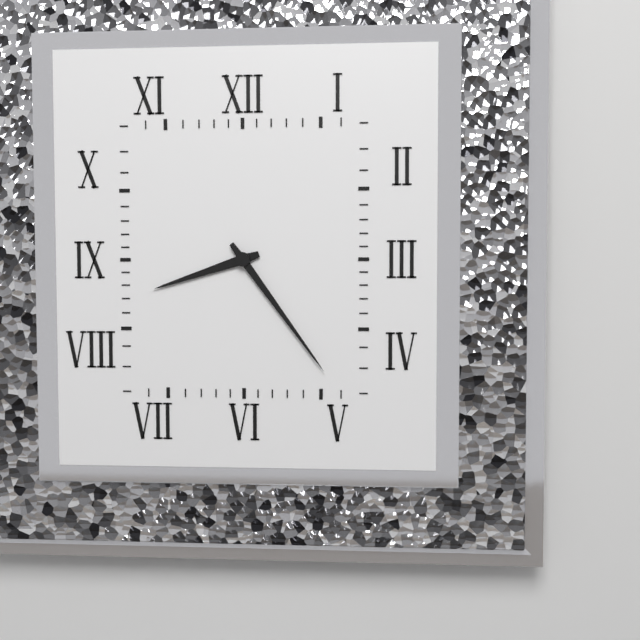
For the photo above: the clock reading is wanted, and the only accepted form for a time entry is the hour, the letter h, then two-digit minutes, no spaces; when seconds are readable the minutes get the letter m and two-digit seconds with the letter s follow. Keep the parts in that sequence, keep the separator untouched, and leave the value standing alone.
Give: 8h24
